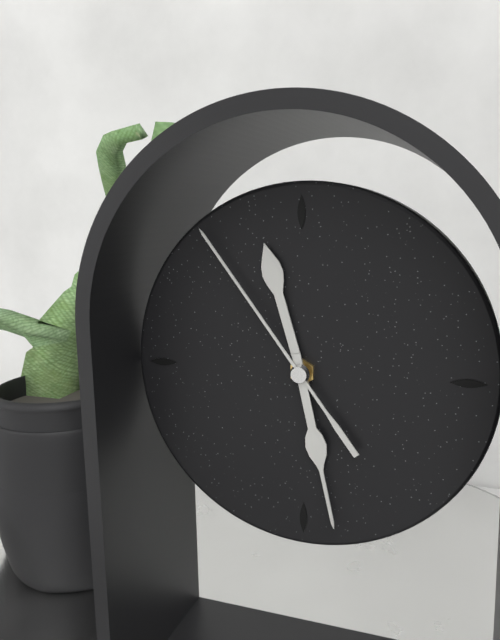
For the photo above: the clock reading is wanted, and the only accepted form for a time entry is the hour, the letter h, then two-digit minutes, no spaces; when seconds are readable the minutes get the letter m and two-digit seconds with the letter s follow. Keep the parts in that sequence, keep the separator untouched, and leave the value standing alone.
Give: 11h28m54s
